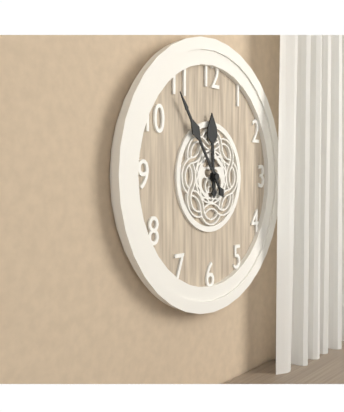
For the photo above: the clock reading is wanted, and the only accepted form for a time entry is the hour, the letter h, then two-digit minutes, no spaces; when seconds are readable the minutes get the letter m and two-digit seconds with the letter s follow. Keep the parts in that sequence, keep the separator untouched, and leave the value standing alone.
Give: 11h54
